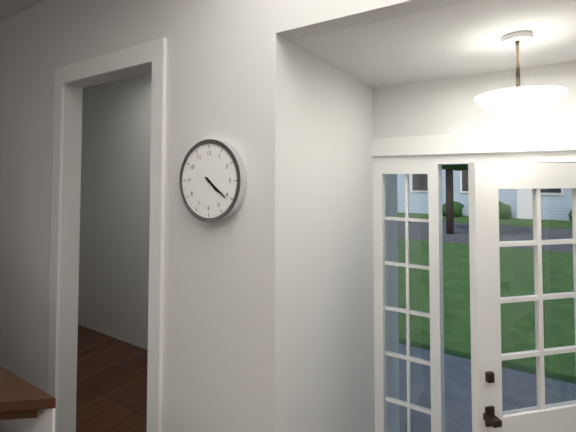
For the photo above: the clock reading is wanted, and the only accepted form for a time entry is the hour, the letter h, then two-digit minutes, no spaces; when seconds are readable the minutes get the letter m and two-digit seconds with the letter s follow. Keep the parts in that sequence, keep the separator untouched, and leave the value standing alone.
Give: 4h21
